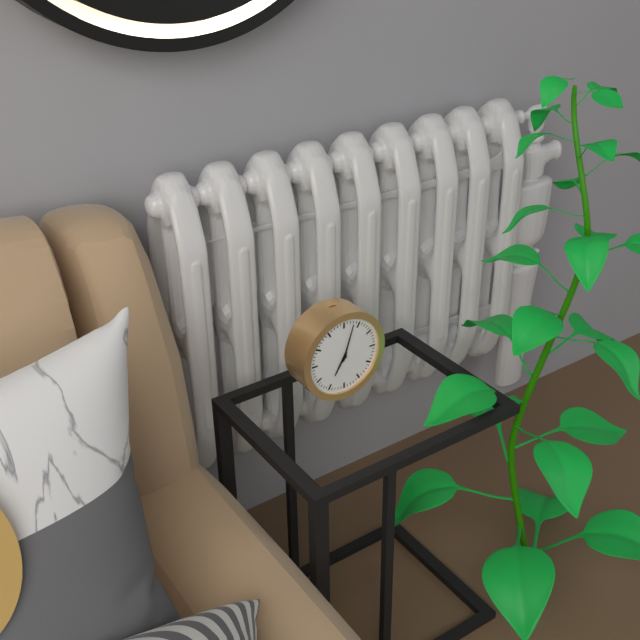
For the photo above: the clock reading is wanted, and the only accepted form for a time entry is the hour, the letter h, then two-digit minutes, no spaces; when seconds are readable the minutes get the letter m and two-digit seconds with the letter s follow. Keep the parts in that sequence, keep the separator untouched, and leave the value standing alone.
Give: 7h03
